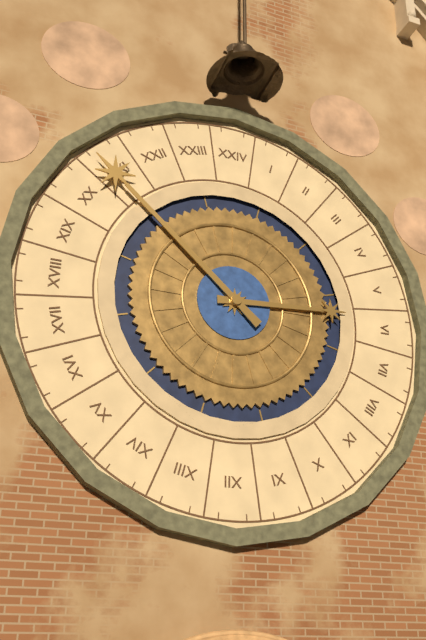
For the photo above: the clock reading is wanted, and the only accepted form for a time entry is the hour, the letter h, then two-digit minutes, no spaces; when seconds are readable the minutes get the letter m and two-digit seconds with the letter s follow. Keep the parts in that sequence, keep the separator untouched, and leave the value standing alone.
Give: 2h52
